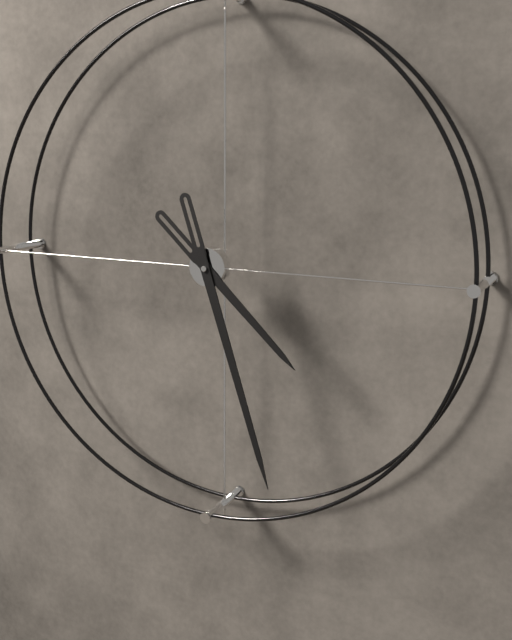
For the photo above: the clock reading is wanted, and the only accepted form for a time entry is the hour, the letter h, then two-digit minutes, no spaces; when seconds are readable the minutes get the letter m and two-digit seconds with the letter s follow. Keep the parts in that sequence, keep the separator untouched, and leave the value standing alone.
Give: 4h27
